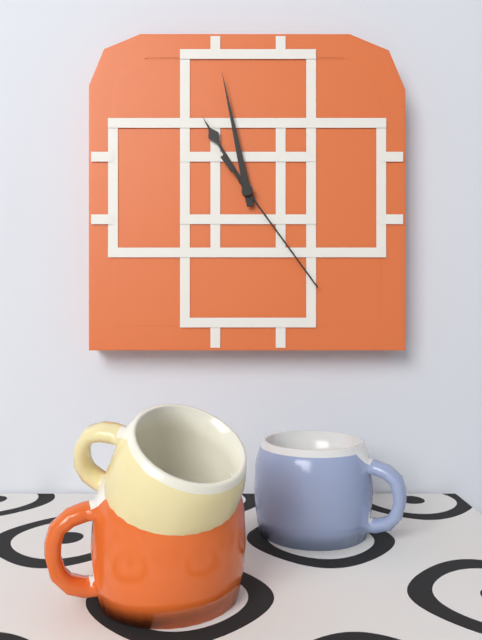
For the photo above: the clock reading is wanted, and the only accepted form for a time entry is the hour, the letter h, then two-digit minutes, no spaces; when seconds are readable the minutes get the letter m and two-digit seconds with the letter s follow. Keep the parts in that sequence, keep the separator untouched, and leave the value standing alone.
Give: 10h58m24s
